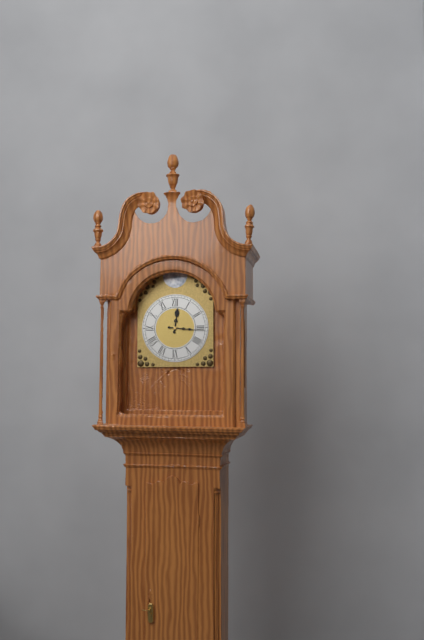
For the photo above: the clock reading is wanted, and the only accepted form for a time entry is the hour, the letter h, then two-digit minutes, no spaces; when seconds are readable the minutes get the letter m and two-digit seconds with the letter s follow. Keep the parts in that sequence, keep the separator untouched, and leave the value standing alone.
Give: 12h16
